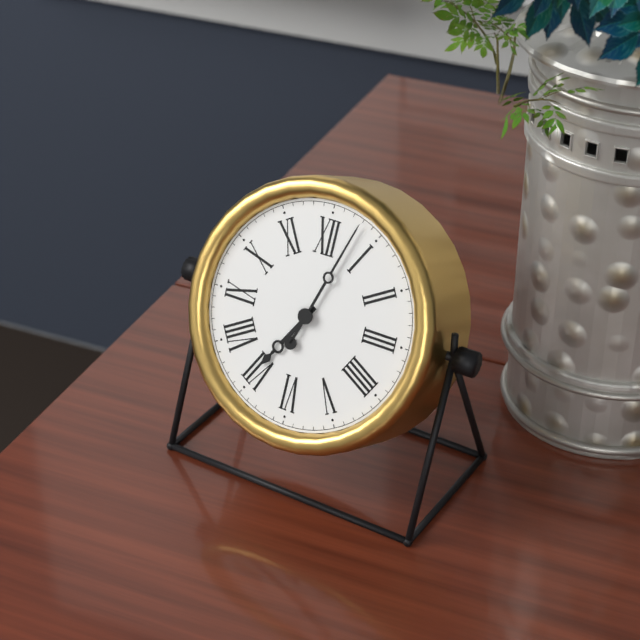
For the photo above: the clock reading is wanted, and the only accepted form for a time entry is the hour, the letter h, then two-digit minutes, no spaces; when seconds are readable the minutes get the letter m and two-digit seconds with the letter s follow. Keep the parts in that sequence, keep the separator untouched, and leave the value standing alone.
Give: 7h03
